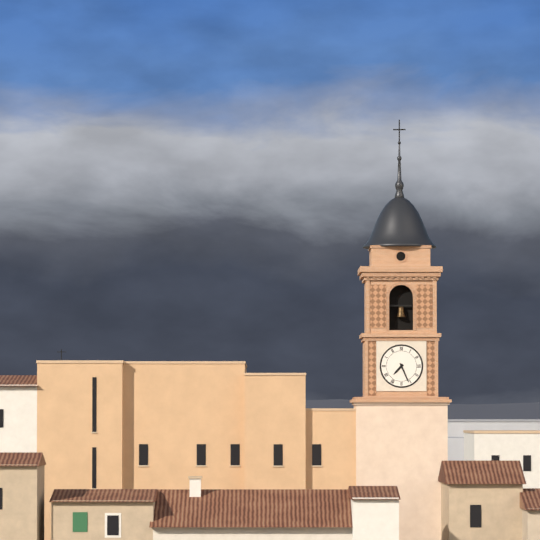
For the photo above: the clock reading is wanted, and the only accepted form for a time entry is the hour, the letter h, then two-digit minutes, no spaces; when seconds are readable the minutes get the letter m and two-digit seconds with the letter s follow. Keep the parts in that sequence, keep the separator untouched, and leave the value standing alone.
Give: 7h26
